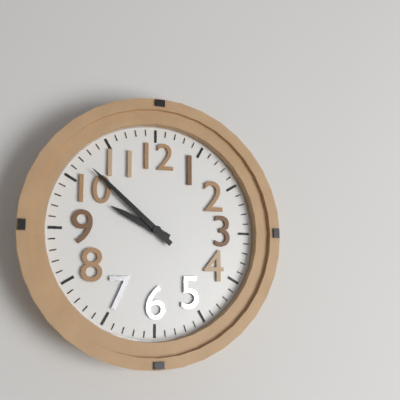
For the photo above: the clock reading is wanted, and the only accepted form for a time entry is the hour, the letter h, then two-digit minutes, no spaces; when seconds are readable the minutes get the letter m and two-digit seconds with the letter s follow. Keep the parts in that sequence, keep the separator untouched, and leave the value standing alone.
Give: 9h52
